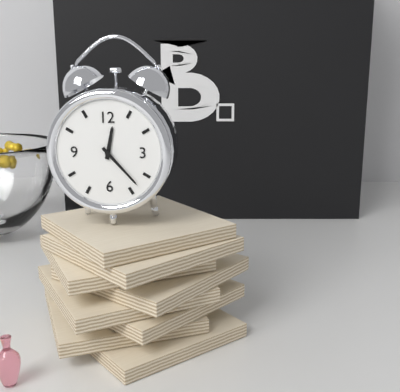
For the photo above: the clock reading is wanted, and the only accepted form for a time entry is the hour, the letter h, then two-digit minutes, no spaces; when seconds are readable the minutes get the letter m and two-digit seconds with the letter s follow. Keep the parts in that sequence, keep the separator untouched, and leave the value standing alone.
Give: 12h23
